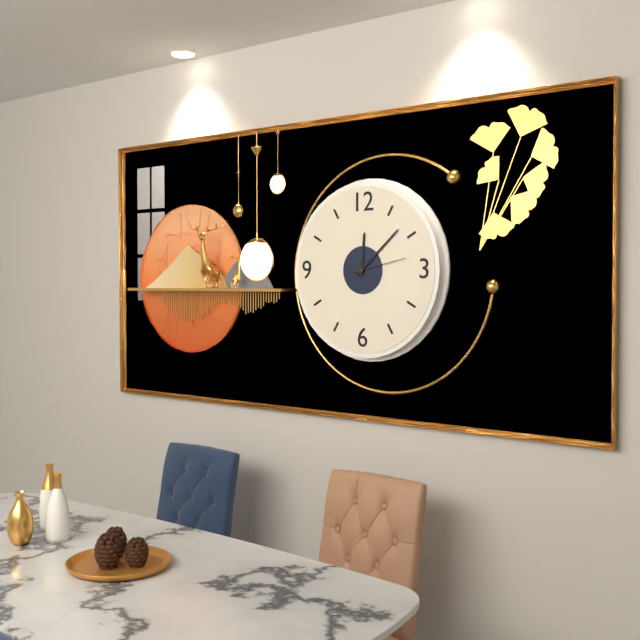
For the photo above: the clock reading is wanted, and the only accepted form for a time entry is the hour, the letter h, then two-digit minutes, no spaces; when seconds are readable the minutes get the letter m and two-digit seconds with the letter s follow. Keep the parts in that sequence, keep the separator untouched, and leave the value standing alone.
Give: 12h08m13s
